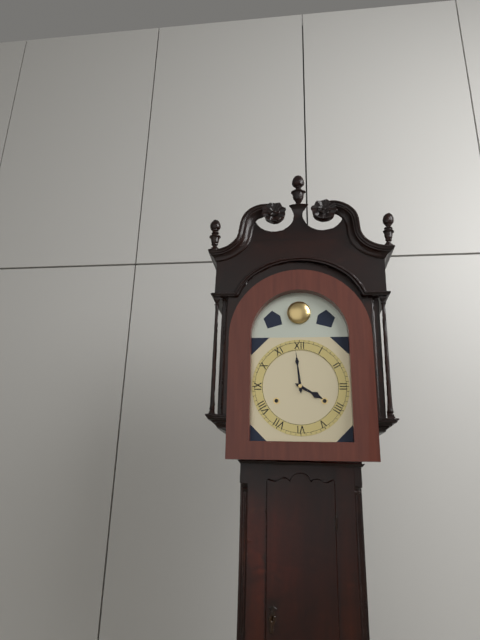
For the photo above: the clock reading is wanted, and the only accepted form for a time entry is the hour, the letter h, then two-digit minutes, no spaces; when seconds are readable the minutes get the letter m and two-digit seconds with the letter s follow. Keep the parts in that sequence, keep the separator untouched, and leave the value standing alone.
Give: 3h59
